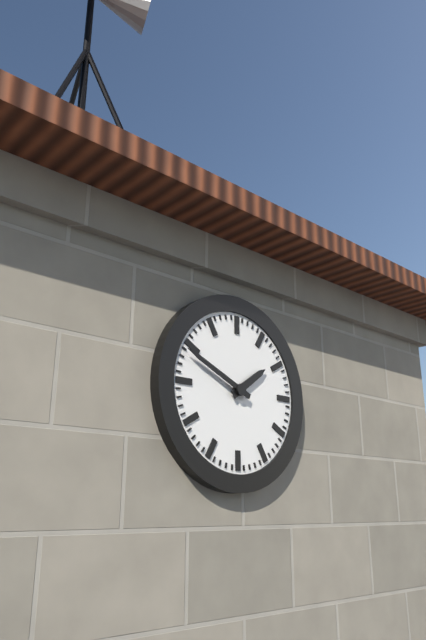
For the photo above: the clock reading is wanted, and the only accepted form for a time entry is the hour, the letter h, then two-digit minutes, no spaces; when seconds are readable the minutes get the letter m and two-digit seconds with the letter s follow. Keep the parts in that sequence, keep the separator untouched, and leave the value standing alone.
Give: 1h49
